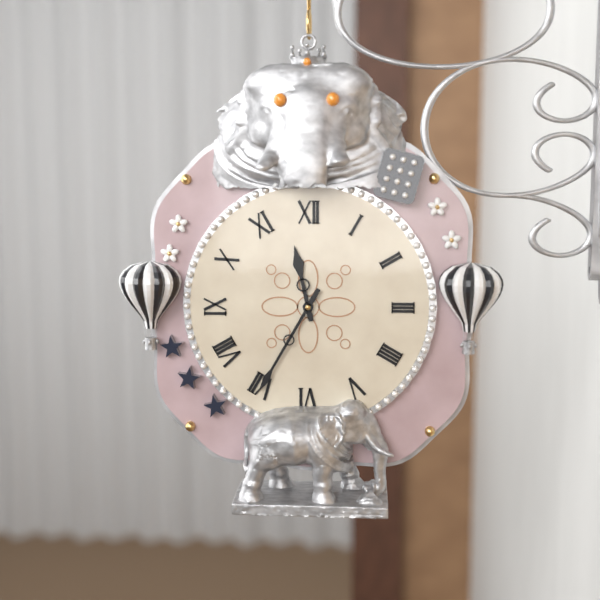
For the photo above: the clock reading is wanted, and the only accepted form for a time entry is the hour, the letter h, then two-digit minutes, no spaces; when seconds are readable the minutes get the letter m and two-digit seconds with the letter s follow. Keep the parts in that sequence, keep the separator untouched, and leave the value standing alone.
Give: 11h35
